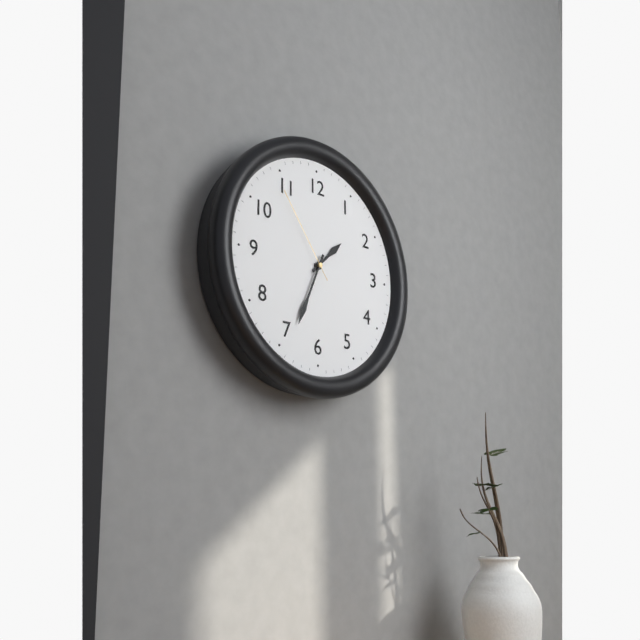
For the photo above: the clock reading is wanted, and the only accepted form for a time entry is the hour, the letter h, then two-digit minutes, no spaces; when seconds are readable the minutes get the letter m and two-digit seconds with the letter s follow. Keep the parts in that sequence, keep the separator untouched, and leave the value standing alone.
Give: 1h34m54s
